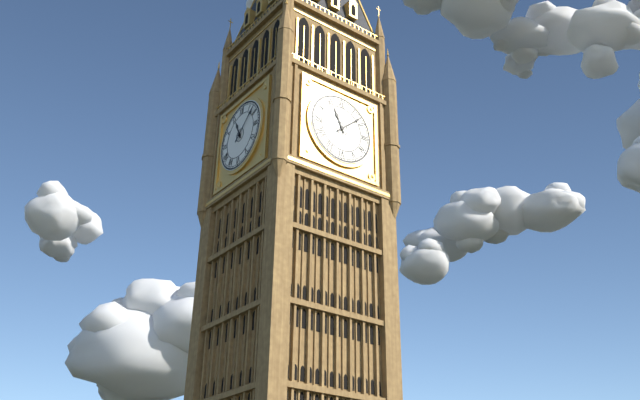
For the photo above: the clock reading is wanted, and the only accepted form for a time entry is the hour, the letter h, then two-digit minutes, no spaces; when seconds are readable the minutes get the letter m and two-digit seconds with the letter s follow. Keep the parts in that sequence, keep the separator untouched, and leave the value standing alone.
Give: 11h08
